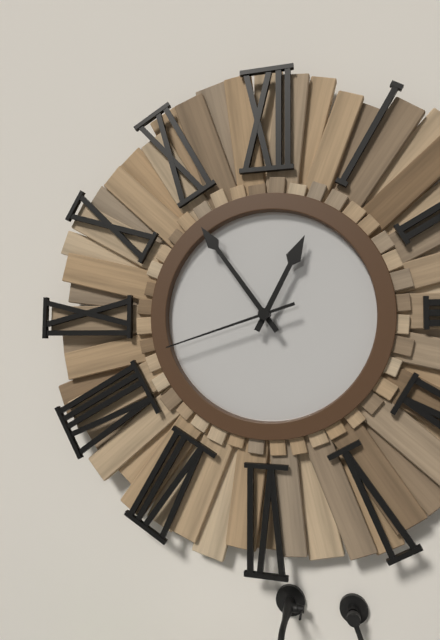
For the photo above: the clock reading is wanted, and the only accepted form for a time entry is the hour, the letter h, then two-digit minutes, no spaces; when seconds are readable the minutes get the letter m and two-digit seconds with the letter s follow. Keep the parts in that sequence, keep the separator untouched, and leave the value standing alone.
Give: 12h54m42s
